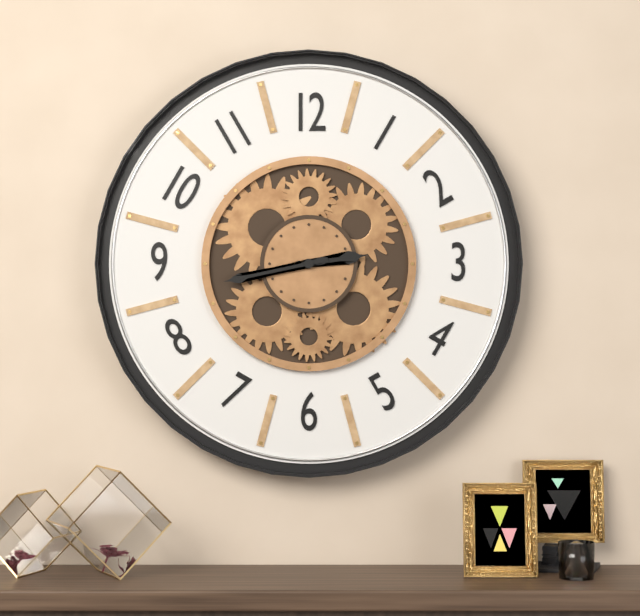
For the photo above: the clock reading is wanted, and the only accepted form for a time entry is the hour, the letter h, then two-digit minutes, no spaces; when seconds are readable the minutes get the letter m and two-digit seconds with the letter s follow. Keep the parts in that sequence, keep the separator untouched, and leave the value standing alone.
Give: 2h43
